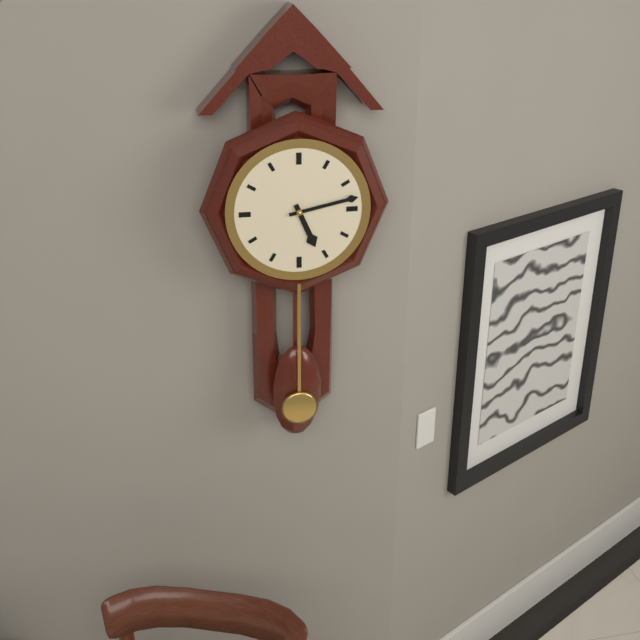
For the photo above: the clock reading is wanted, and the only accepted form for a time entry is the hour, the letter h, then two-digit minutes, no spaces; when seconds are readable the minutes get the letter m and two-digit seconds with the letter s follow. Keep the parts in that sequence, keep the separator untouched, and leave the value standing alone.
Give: 5h13
